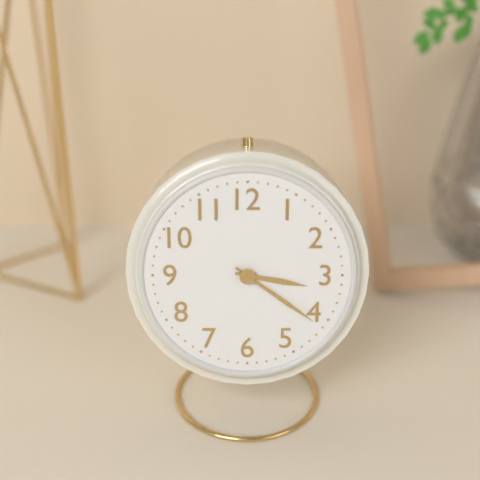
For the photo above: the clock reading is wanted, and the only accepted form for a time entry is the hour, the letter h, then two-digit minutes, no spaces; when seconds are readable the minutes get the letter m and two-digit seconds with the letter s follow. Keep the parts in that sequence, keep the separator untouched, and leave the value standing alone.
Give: 3h21
